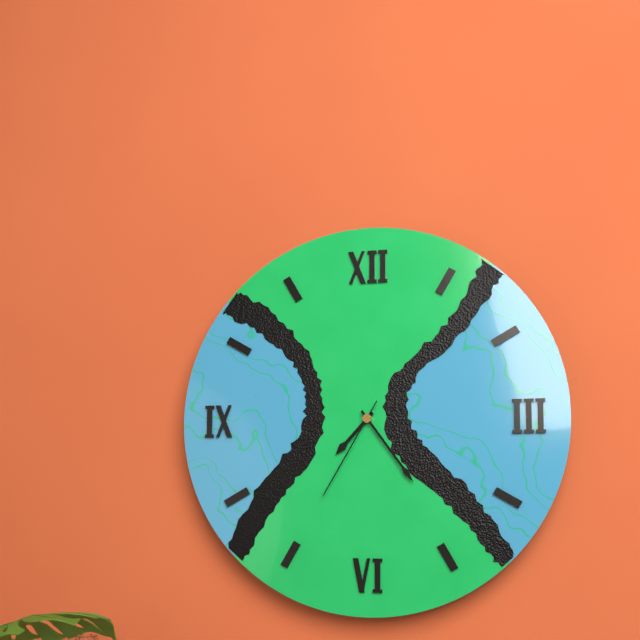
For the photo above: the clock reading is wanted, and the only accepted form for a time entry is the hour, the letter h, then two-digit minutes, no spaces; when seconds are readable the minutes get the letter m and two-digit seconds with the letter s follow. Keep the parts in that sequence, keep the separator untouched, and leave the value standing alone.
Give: 7h24m35s
